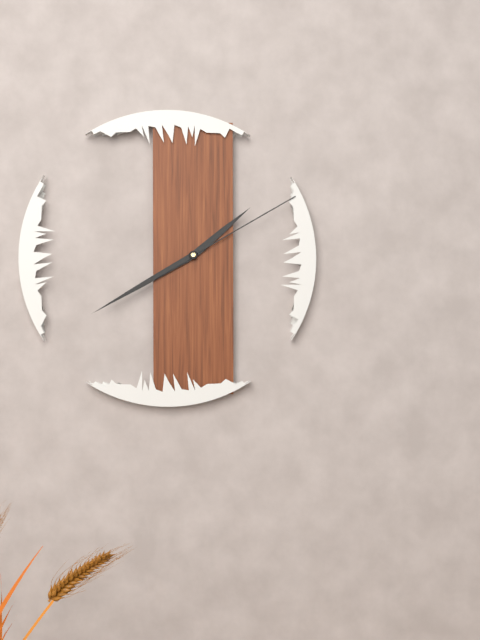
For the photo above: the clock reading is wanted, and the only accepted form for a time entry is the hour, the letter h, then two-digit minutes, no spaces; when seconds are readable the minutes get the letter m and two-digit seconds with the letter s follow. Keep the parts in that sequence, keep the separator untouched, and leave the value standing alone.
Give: 1h40m10s
